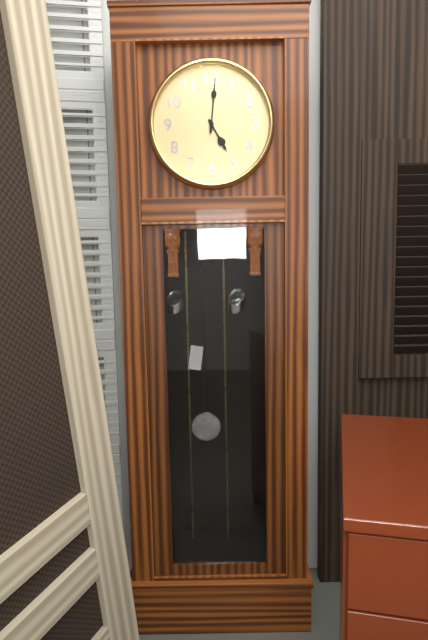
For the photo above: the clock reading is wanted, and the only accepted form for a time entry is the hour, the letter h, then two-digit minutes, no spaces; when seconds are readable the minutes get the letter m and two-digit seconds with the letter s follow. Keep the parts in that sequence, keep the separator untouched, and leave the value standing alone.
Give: 5h01
